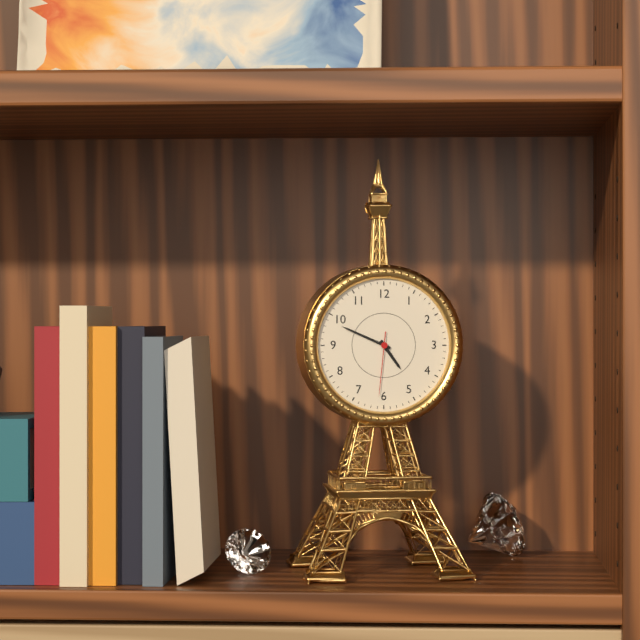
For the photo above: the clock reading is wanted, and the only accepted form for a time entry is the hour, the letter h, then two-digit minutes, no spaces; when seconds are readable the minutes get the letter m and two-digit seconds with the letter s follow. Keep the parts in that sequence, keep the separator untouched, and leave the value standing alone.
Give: 4h49m31s
